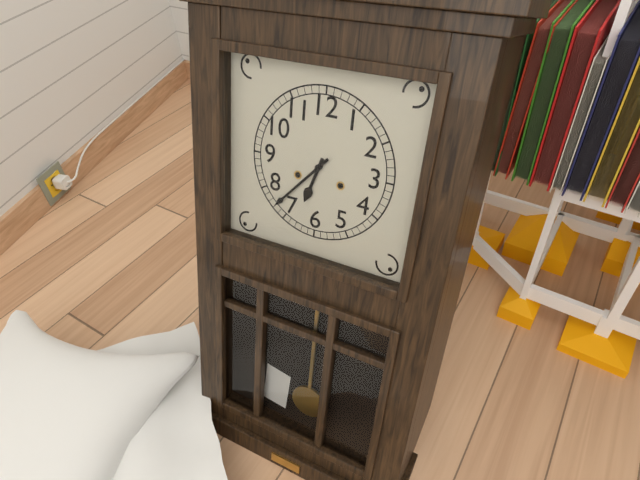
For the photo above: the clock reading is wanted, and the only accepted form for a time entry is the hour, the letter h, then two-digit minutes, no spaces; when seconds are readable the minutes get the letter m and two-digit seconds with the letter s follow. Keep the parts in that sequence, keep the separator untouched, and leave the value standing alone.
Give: 6h37
